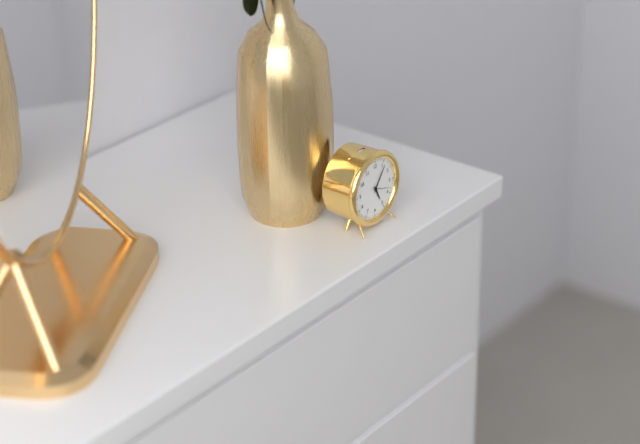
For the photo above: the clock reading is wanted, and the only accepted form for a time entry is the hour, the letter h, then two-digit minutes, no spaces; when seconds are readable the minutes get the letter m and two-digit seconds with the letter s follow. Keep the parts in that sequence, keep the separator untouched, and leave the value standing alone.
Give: 5h06
